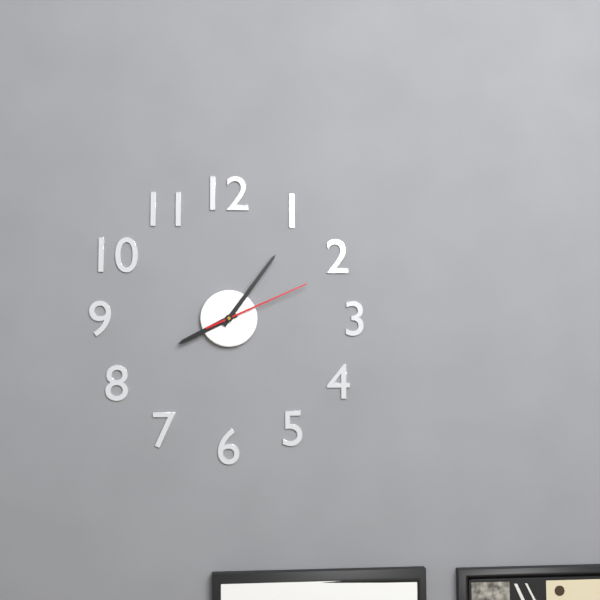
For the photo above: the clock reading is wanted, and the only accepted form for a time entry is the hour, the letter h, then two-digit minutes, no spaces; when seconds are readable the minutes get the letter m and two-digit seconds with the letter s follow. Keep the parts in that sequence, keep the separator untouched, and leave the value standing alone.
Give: 8h06m11s
